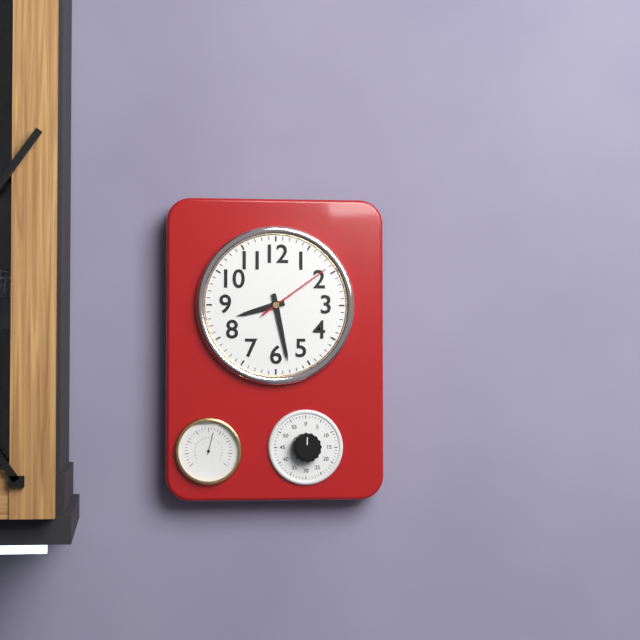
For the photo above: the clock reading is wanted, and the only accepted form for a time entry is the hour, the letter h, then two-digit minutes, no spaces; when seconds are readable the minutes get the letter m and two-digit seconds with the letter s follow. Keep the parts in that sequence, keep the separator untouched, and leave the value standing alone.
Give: 8h28m09s
